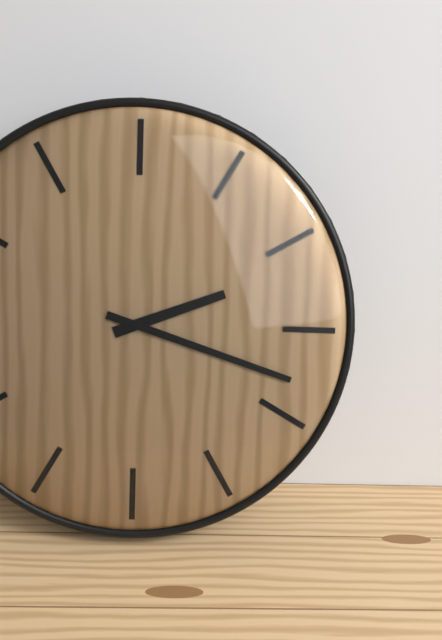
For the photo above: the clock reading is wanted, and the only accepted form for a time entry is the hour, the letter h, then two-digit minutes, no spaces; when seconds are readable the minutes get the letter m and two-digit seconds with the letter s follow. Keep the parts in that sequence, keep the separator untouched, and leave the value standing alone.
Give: 2h18
